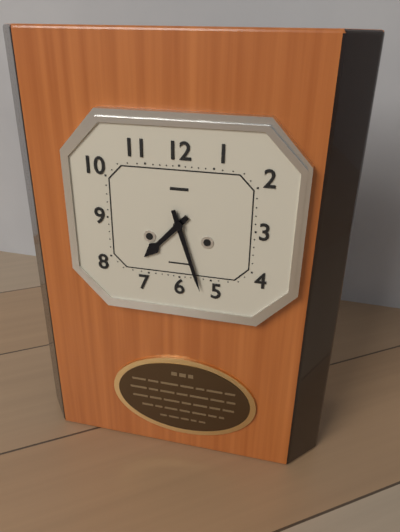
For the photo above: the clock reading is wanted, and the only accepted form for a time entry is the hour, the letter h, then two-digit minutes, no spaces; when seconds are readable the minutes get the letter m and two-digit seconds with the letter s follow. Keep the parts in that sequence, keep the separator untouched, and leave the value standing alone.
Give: 7h27
